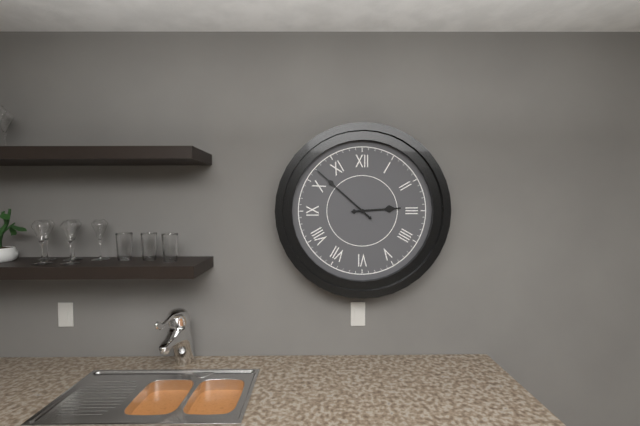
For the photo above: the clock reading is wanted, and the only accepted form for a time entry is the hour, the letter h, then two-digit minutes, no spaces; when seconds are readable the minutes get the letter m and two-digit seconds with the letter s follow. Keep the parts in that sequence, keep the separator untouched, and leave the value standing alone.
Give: 2h52
